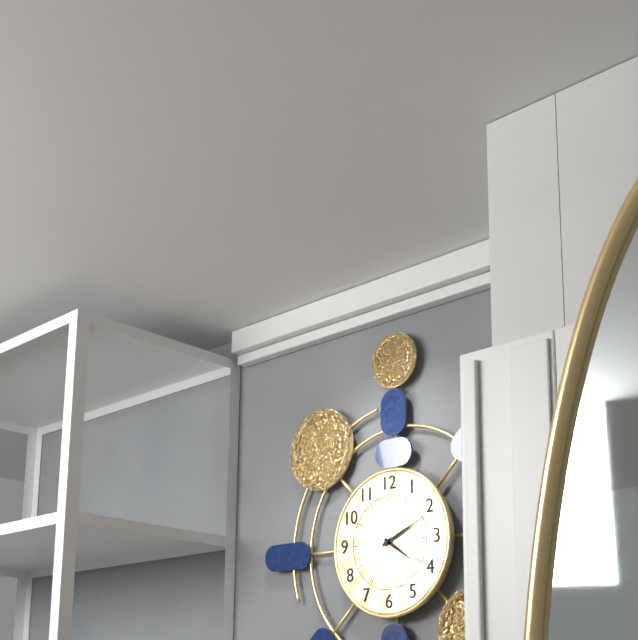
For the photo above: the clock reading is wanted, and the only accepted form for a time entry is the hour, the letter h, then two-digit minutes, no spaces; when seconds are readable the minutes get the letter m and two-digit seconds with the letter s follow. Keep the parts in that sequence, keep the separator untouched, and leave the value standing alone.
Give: 4h11m08s
